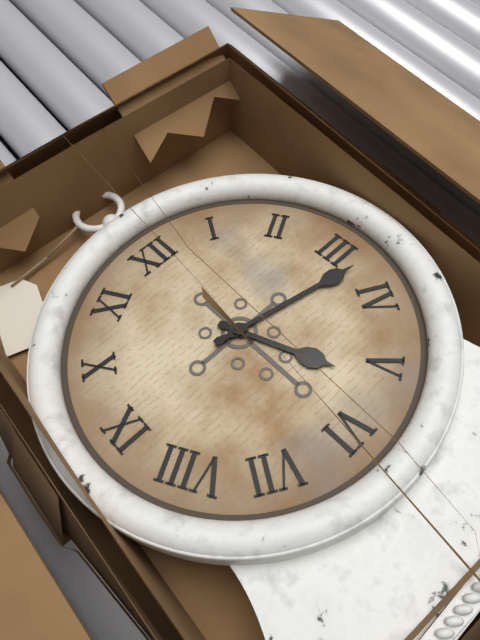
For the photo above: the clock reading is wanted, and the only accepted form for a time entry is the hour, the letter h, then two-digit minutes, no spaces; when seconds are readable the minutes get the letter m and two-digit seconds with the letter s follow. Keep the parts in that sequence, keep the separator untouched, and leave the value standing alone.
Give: 5h17
